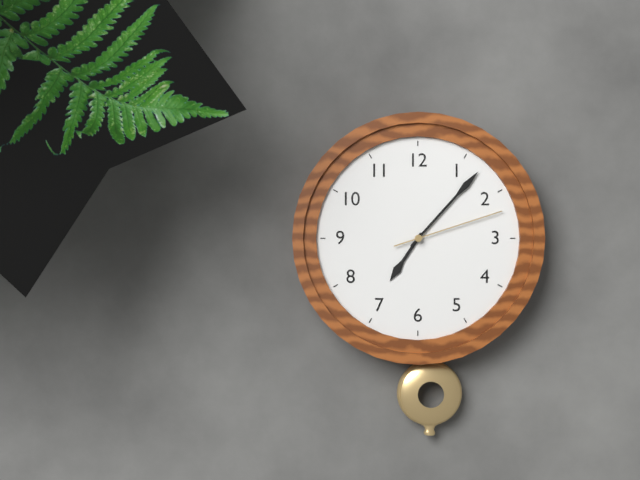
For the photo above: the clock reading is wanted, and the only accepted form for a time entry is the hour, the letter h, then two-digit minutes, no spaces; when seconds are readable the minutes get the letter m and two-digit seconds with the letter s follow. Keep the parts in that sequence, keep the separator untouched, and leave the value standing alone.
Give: 7h07m12s
